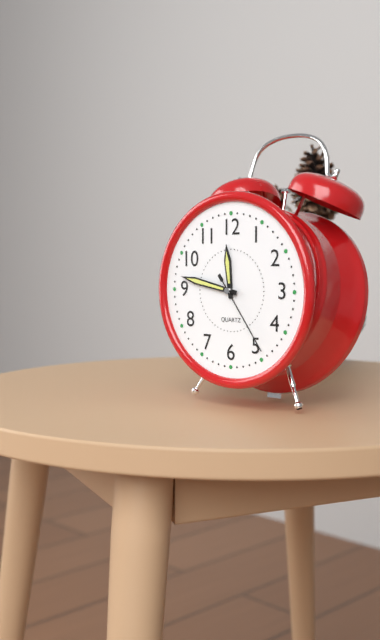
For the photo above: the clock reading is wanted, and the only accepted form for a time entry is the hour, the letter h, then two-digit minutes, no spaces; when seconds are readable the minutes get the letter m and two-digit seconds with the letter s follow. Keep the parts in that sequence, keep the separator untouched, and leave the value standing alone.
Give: 11h47m24s
